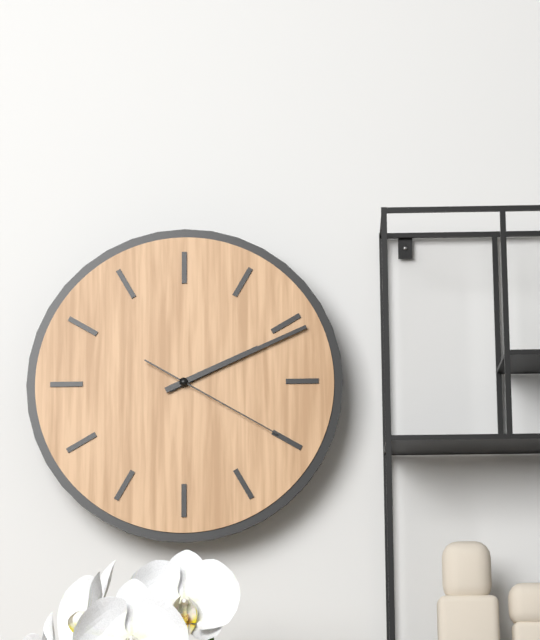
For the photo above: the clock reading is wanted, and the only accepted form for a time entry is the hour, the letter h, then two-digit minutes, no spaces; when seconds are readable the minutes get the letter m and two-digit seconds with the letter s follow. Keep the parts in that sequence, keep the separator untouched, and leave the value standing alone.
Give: 2h11m20s
